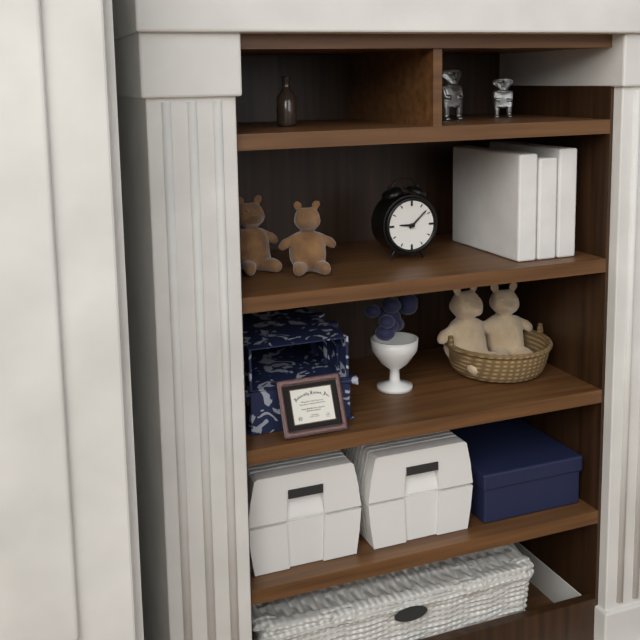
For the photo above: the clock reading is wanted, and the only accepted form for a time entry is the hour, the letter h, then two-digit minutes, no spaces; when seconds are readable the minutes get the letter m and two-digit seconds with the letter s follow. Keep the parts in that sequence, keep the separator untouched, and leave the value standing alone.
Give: 9h08
